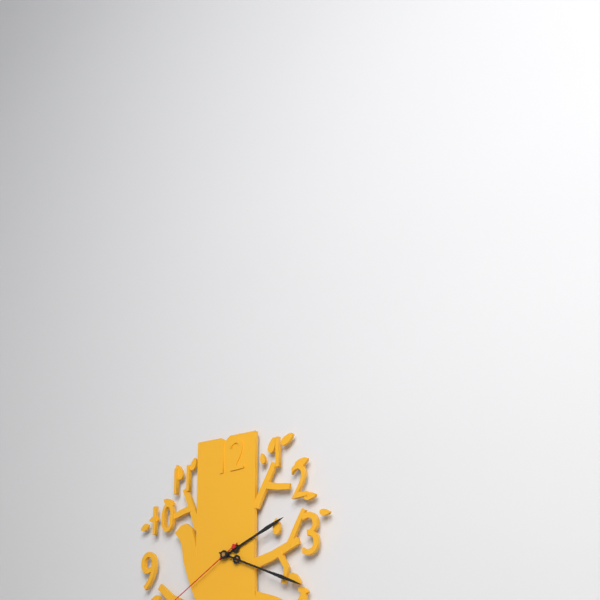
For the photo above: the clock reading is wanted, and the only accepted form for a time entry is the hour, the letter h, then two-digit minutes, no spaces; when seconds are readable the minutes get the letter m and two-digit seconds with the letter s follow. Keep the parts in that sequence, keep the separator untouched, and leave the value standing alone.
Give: 2h19
